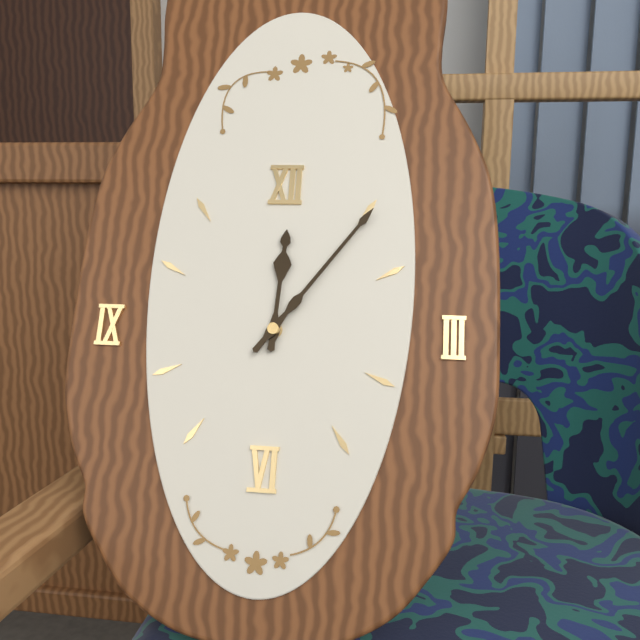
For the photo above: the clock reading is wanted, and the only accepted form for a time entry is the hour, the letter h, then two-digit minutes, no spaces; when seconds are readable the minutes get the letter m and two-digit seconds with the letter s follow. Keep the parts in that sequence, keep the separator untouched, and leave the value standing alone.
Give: 12h06
